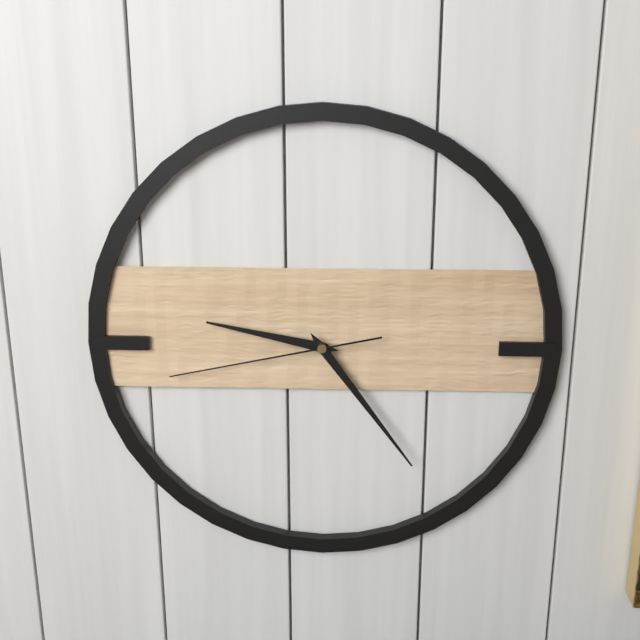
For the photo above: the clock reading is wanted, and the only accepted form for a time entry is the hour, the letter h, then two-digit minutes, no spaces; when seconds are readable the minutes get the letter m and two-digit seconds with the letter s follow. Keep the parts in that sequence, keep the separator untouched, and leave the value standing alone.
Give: 9h24m43s
